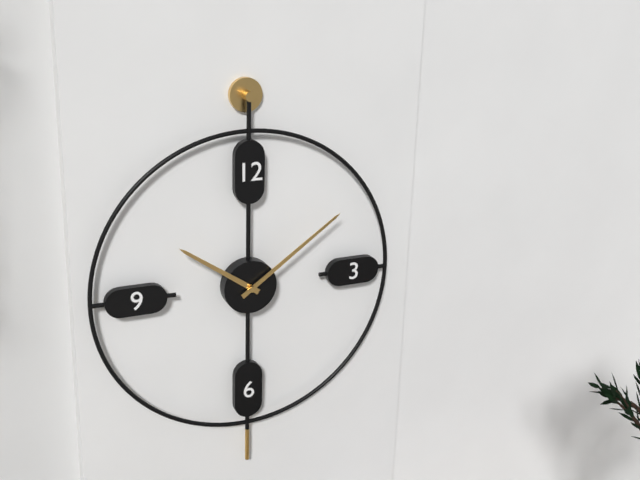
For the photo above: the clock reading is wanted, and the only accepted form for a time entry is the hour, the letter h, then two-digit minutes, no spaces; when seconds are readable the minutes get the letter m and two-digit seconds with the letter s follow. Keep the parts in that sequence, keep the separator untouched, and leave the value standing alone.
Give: 10h09
